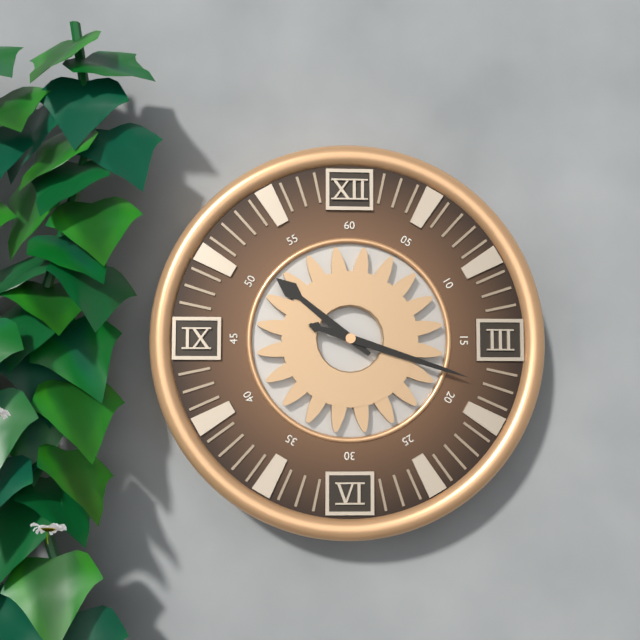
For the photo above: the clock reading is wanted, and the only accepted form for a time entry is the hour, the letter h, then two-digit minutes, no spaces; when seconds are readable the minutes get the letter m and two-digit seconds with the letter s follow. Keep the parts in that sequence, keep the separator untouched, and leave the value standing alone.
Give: 10h18
